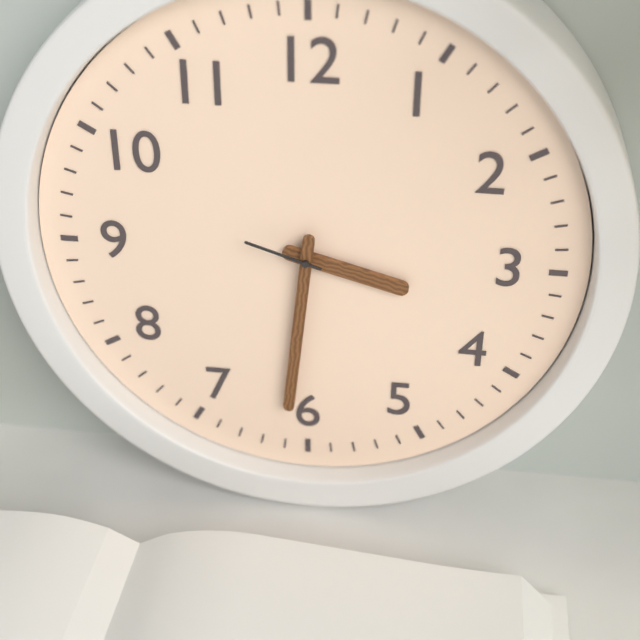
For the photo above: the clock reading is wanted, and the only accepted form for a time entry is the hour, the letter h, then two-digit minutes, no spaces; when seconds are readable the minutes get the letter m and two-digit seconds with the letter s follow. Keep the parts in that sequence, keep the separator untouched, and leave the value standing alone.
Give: 3h31m48s
